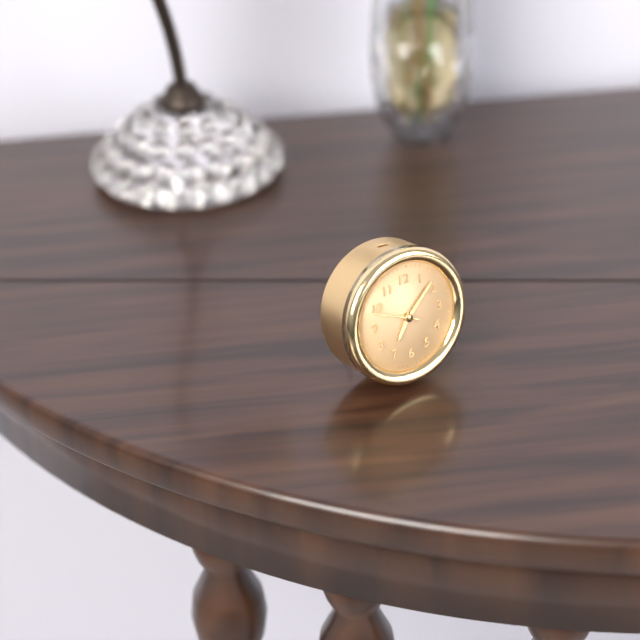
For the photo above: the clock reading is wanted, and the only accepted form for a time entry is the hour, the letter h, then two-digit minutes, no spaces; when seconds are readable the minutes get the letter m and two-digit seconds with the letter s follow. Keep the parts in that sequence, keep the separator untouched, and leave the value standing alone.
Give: 7h08
